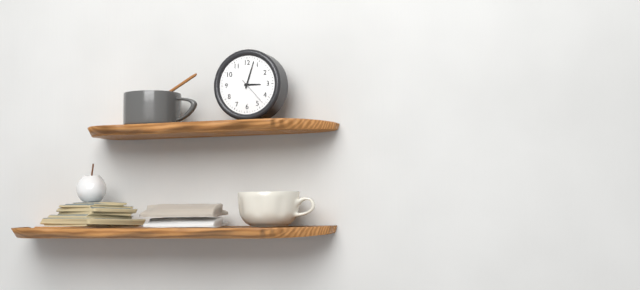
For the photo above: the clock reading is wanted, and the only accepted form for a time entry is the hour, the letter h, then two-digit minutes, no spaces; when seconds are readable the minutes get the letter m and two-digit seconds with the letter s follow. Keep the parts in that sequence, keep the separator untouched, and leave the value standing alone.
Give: 3h03
